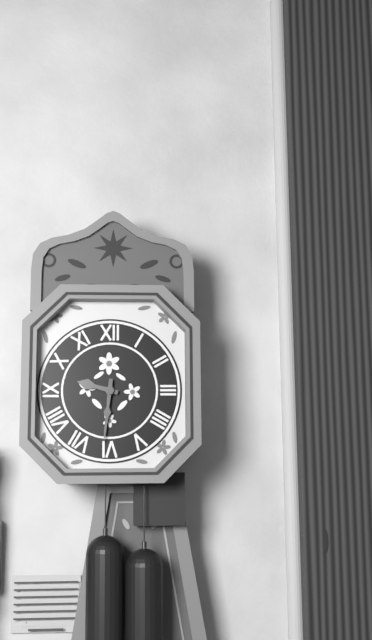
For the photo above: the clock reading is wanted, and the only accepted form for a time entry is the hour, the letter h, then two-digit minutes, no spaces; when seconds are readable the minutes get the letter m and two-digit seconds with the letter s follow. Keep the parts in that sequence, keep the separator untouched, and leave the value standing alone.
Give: 9h31
